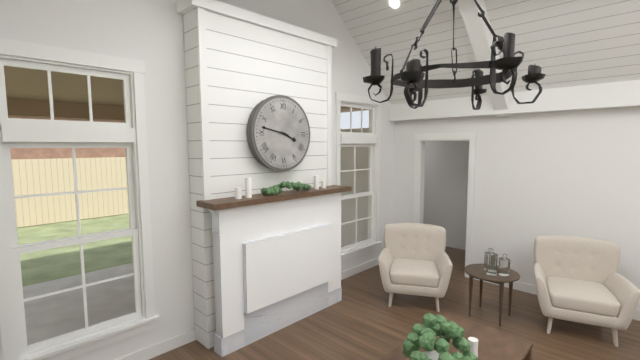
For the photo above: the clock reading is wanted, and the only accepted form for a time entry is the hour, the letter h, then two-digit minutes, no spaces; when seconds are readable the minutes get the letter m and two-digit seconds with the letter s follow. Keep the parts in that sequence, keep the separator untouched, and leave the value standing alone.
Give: 3h47
